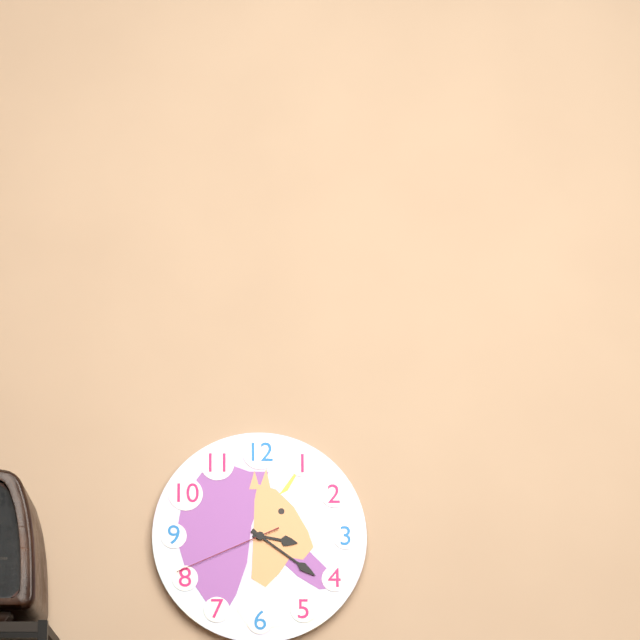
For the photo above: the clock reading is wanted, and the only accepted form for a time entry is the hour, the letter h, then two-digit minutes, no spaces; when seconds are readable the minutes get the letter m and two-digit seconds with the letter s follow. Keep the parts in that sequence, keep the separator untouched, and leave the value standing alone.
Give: 3h21m41s
